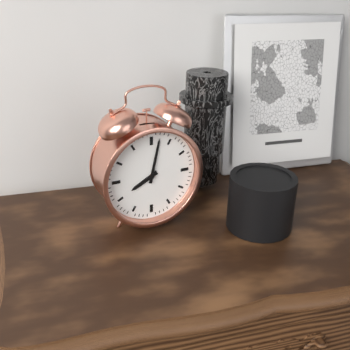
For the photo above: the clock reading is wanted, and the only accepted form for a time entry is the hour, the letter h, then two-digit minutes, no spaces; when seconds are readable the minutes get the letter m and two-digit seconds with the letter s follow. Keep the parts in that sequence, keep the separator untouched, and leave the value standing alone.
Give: 8h02
